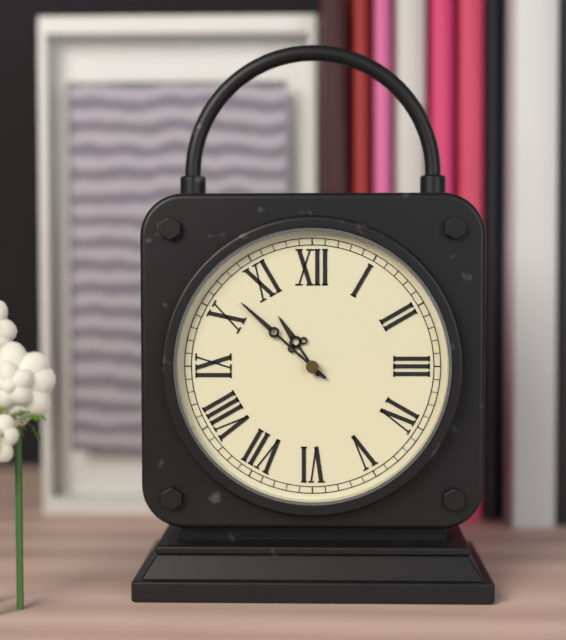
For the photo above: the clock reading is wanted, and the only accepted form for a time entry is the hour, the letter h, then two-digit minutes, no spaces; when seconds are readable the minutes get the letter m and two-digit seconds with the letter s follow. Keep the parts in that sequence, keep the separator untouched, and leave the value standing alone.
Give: 10h52
